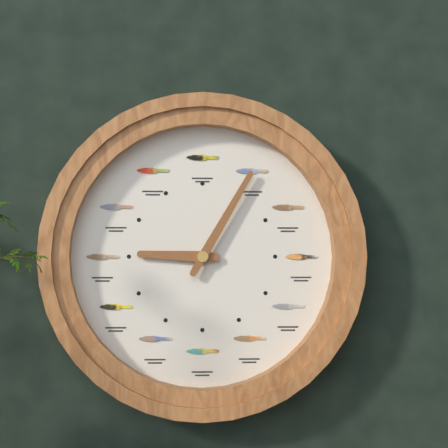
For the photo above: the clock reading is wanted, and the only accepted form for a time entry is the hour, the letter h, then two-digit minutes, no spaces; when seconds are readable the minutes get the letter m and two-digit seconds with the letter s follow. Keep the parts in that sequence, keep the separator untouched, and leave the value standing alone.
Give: 9h05
